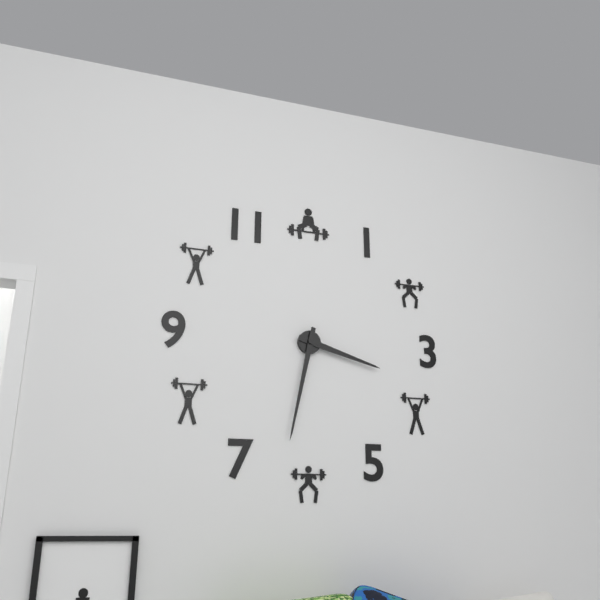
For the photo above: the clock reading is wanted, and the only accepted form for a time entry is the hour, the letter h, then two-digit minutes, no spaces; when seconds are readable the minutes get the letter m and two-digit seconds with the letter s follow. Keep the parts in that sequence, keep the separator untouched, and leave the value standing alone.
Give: 3h32
